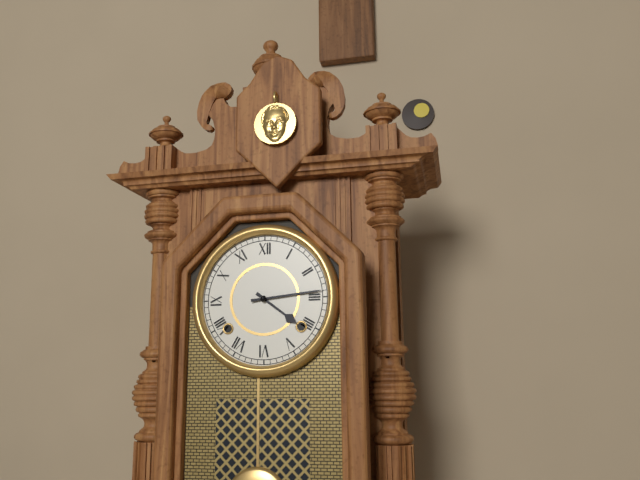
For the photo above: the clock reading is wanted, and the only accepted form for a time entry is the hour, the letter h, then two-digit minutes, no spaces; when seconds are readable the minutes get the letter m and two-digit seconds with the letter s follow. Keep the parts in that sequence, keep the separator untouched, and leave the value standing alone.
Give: 4h14
